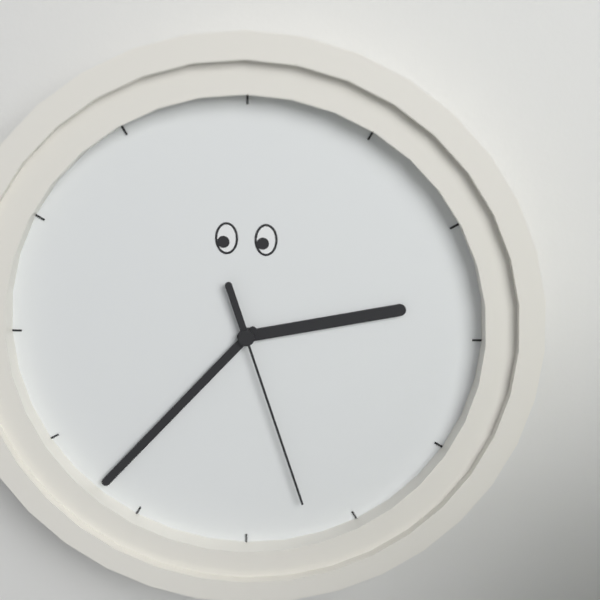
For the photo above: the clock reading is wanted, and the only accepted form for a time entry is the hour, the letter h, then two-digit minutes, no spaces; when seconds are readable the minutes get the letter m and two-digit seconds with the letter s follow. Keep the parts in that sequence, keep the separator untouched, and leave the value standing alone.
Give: 2h37m27s
